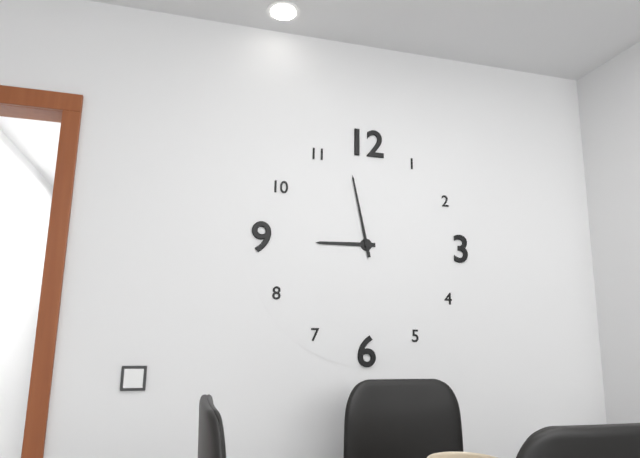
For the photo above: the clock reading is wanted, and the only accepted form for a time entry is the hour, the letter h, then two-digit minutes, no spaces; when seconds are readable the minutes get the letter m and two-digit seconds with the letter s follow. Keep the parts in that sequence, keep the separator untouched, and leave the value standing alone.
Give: 8h58
